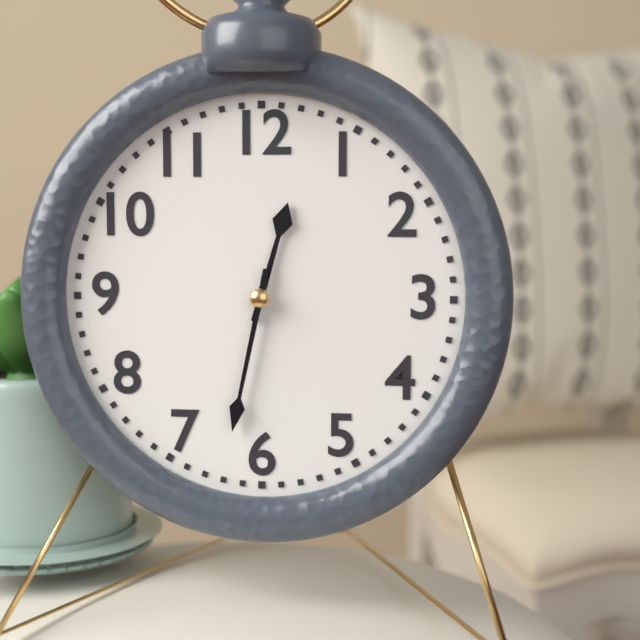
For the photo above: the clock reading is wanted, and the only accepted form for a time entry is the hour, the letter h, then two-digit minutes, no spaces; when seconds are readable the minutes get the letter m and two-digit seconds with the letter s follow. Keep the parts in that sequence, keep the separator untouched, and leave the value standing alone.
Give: 12h32
